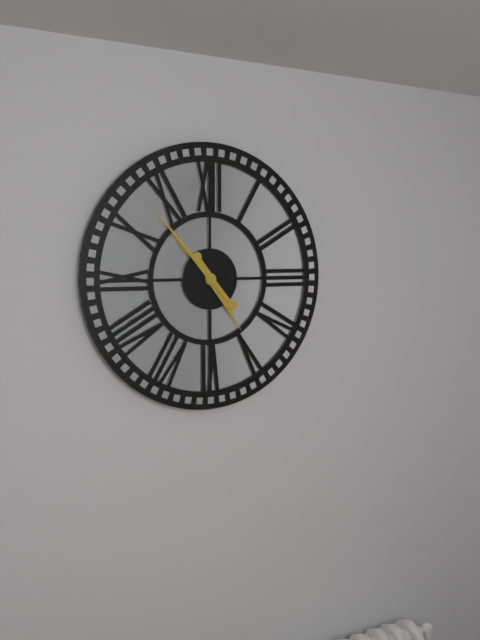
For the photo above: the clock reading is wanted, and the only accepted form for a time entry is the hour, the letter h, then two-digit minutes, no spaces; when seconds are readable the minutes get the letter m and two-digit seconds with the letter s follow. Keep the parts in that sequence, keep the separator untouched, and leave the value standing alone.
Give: 4h53
